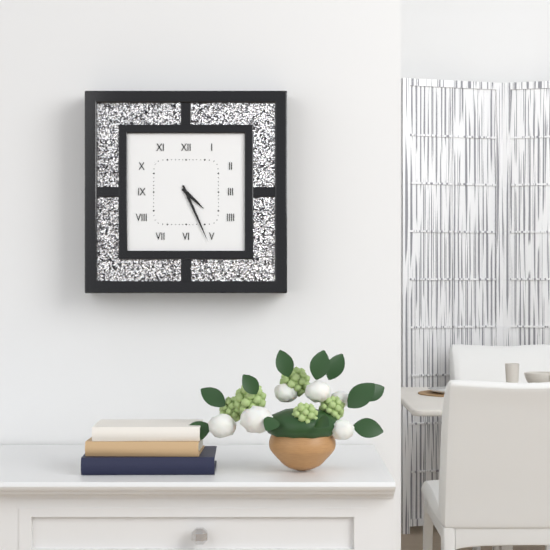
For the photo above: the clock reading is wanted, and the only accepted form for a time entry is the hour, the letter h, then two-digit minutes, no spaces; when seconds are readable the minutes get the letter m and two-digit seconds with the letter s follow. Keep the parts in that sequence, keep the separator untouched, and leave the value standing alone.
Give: 4h26
